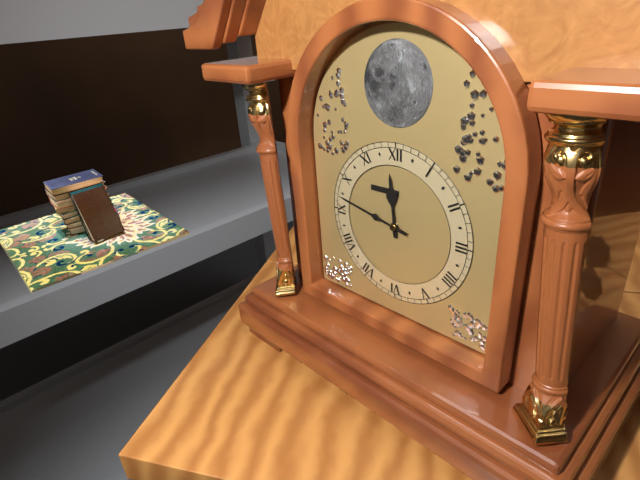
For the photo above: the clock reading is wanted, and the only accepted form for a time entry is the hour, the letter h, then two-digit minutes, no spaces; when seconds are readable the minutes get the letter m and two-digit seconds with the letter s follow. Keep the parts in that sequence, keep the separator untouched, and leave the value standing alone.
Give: 11h47
